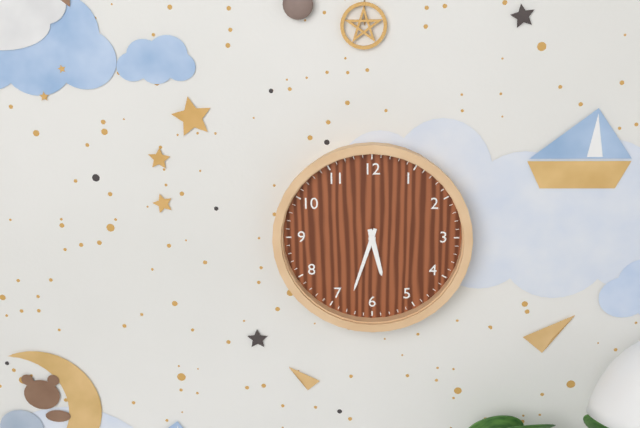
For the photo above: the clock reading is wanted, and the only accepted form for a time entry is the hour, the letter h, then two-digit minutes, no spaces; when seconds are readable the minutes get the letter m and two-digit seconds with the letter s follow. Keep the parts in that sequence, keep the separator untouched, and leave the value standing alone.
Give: 5h33
